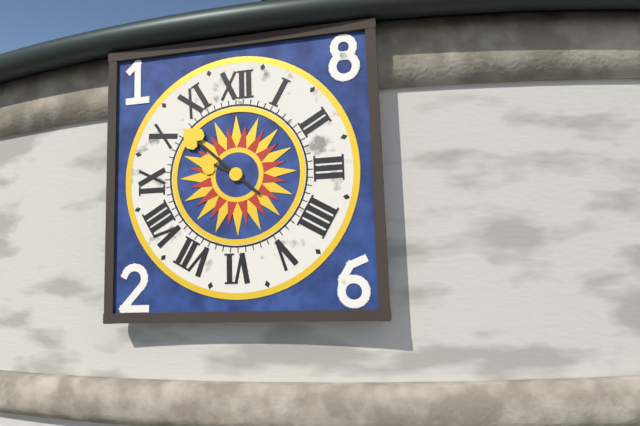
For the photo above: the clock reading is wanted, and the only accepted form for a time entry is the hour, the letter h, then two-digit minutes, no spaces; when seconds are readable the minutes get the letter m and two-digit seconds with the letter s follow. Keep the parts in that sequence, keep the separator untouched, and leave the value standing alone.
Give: 9h52
